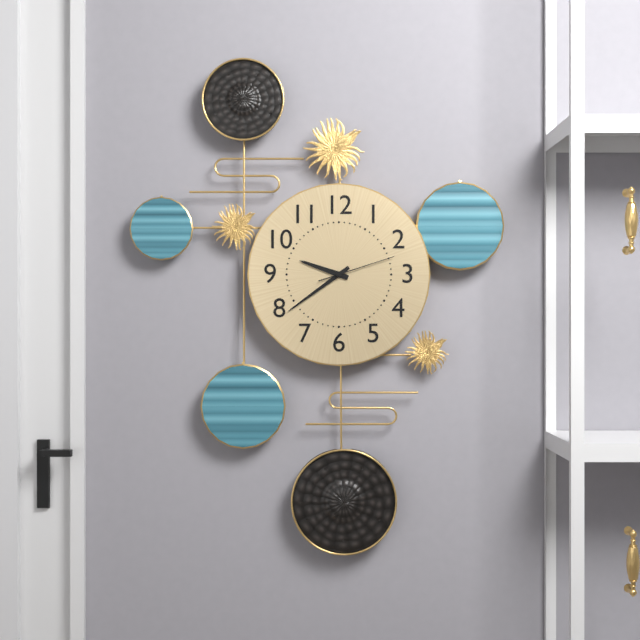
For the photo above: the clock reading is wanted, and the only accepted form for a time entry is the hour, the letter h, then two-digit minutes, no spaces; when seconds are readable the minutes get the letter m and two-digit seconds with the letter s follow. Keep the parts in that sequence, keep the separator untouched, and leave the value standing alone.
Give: 9h39m12s
